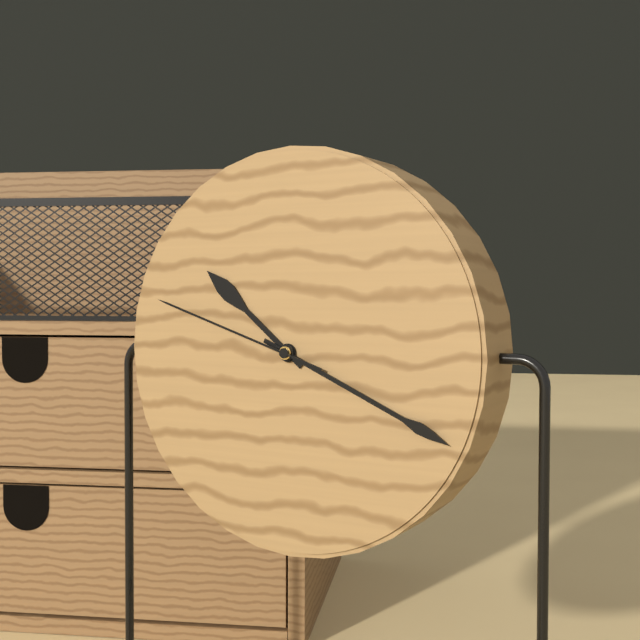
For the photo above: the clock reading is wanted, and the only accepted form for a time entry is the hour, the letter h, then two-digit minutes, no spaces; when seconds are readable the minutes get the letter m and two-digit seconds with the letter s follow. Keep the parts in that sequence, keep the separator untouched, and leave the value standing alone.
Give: 10h19m48s
